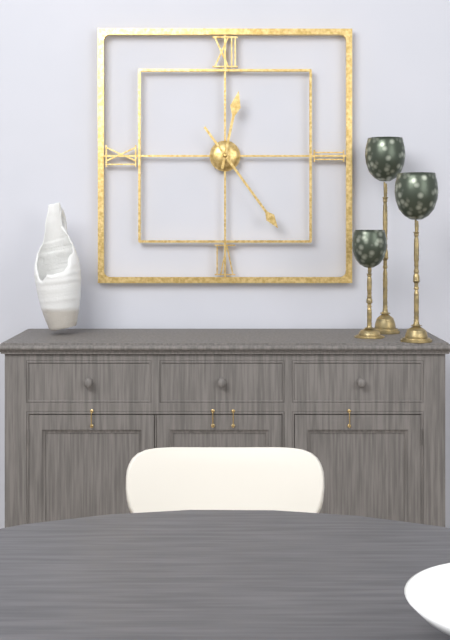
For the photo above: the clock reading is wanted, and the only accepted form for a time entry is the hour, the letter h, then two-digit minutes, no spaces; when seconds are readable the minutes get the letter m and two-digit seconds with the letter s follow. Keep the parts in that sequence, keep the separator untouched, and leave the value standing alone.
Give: 12h24
